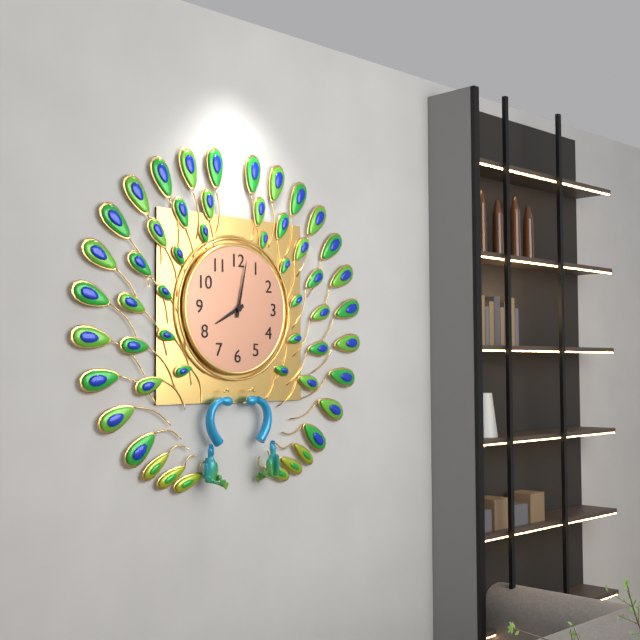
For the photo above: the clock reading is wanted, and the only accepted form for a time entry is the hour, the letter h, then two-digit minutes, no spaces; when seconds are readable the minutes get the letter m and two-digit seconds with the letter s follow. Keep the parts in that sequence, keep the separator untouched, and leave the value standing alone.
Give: 8h02
